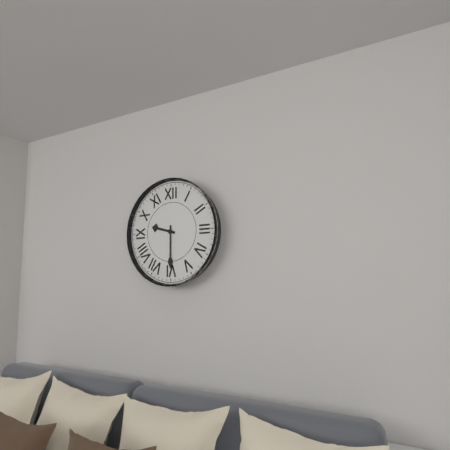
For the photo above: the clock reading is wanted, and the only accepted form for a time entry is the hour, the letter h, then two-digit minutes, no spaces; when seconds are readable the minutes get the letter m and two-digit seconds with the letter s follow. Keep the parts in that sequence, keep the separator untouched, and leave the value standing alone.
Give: 9h30
